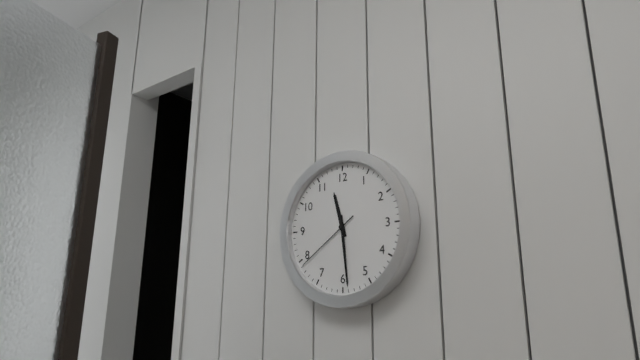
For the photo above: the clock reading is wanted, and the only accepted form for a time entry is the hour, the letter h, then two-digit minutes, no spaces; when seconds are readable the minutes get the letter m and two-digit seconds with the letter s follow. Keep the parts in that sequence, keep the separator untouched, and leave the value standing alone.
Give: 11h29m39s
